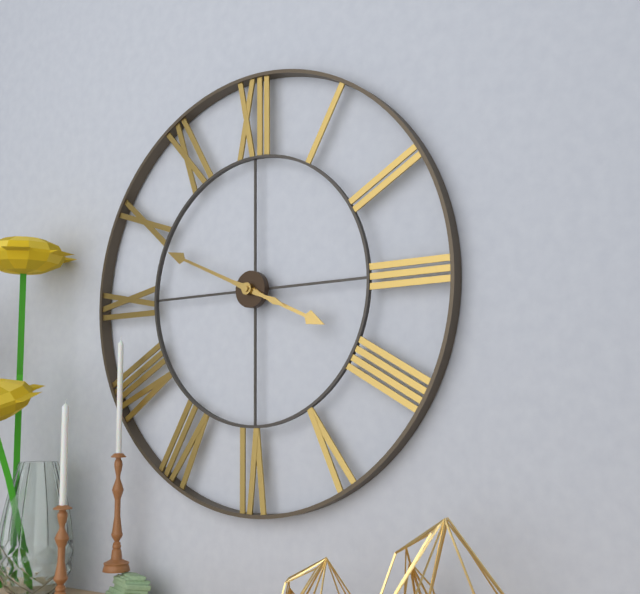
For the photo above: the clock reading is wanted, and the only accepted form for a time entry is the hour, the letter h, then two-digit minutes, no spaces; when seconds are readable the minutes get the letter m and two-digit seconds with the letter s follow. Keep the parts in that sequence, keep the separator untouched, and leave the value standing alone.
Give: 3h49
